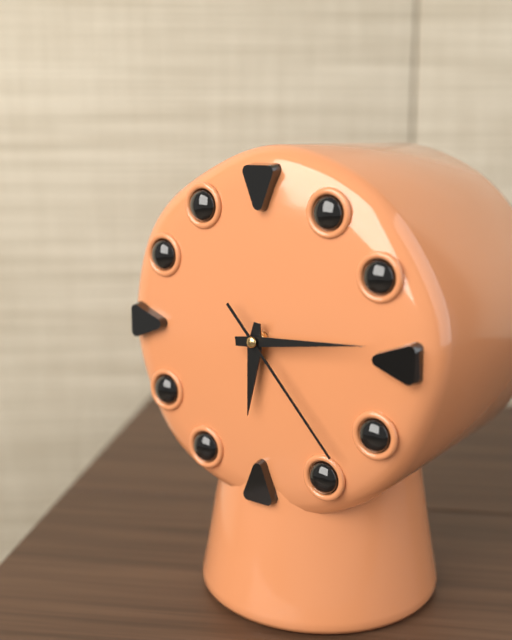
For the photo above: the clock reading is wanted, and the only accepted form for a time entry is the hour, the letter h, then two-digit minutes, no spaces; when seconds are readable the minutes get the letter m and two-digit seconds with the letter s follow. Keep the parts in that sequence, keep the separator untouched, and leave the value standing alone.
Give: 6h14m23s
